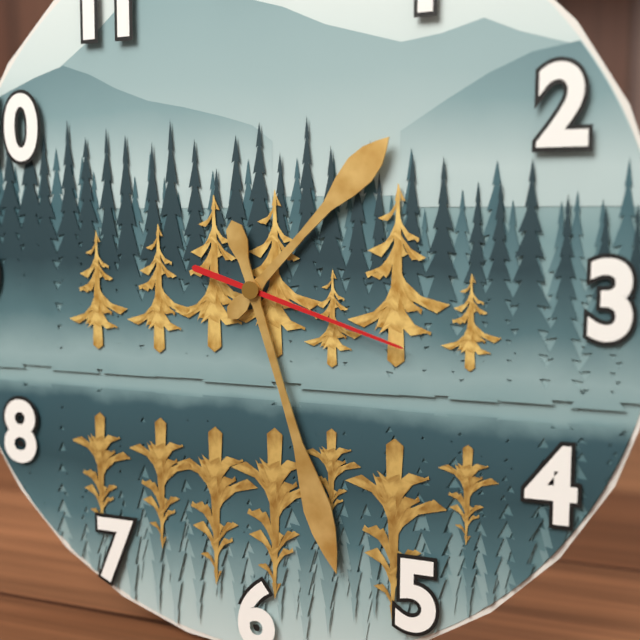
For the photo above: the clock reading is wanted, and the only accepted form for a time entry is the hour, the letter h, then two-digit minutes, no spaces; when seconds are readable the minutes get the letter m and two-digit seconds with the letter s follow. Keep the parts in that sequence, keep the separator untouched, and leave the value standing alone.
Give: 1h27m18s
